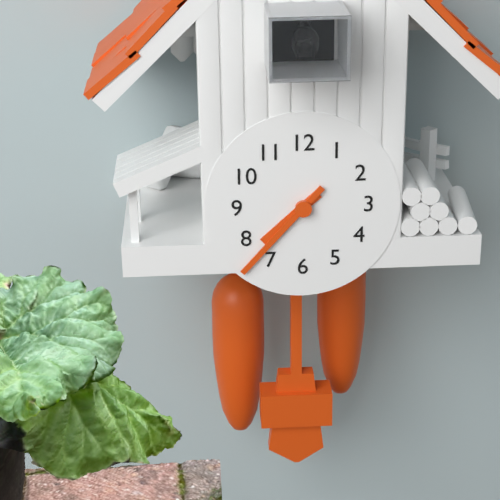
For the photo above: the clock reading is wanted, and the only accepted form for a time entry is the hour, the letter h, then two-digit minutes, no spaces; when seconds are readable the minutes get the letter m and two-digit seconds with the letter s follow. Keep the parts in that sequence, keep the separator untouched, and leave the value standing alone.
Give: 7h37
